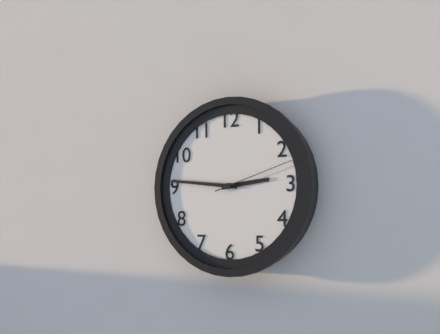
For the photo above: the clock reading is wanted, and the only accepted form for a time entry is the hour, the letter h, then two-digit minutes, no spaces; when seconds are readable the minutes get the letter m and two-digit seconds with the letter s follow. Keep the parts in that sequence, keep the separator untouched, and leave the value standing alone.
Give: 2h46m12s
